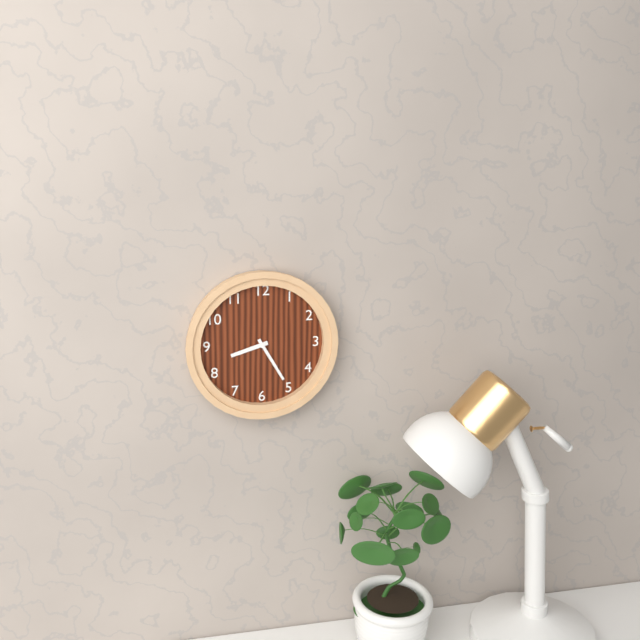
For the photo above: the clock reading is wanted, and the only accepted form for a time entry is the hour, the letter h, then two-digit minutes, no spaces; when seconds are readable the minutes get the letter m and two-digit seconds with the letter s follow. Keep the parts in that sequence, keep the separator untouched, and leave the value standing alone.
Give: 8h25
